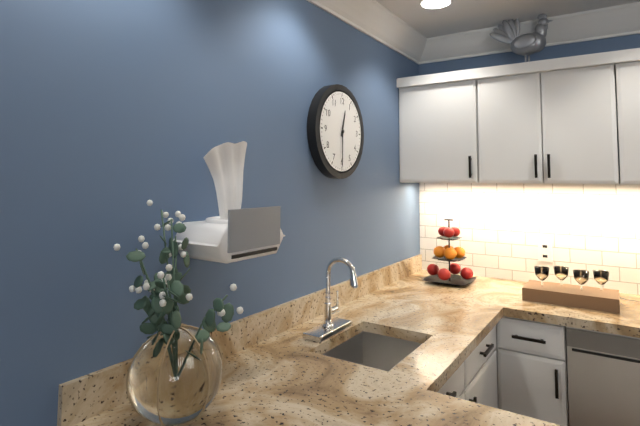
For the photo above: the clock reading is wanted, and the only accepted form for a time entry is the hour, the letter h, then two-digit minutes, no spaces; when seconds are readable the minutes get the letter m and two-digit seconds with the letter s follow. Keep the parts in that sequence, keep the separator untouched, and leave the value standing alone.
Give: 12h30
